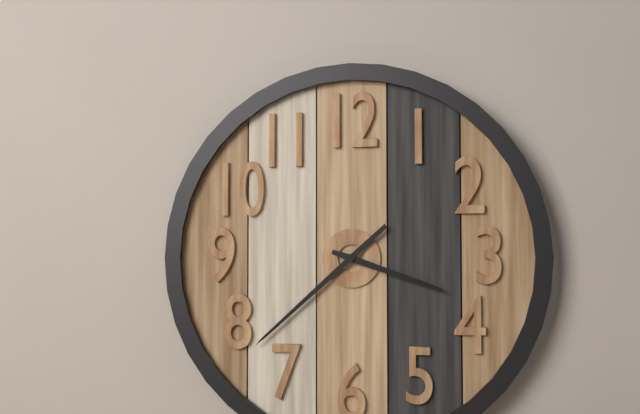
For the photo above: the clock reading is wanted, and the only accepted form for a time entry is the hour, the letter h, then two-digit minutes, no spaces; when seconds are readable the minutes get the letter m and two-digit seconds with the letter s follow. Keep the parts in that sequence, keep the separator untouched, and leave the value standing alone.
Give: 3h38
